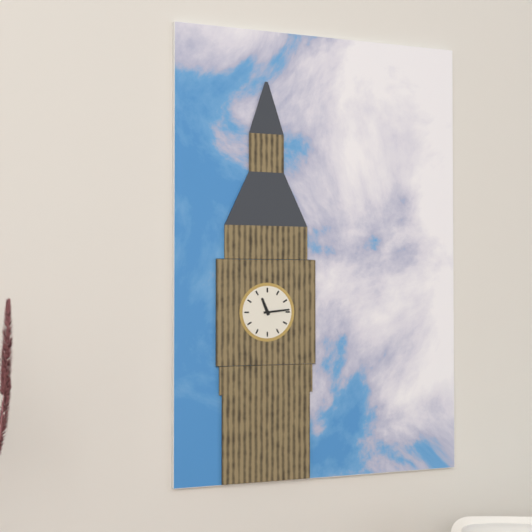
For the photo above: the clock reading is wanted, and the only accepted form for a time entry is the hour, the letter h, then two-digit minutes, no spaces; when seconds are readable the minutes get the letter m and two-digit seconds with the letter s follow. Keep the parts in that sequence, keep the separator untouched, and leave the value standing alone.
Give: 11h14
